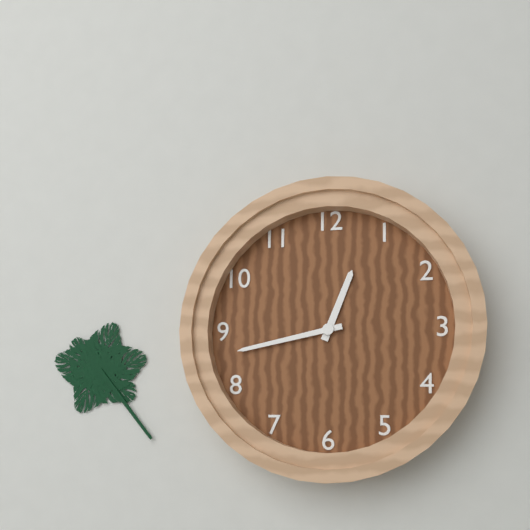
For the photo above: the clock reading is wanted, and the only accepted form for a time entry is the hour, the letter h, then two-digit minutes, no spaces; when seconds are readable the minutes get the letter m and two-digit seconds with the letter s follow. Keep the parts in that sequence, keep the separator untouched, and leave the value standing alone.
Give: 12h43
